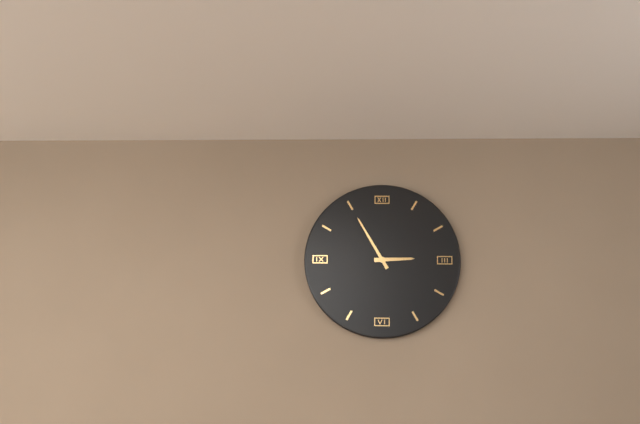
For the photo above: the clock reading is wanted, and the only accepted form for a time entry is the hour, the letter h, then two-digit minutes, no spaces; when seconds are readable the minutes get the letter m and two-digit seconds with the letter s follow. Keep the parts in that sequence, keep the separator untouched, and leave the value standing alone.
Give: 2h55
